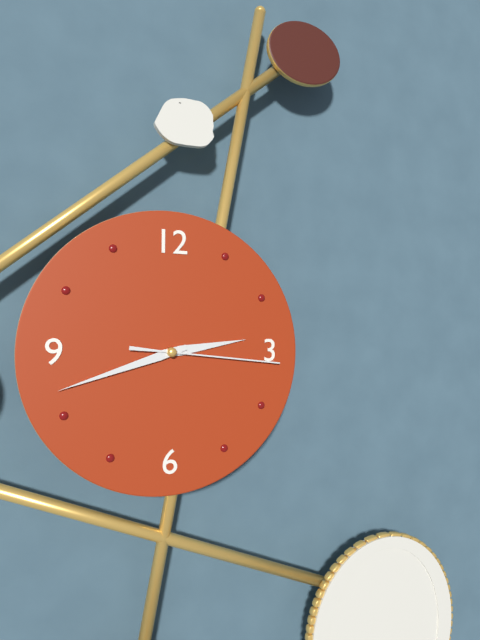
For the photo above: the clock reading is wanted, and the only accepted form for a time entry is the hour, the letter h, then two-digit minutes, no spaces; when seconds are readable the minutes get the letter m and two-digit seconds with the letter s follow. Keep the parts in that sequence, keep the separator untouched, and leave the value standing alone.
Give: 2h42m16s
